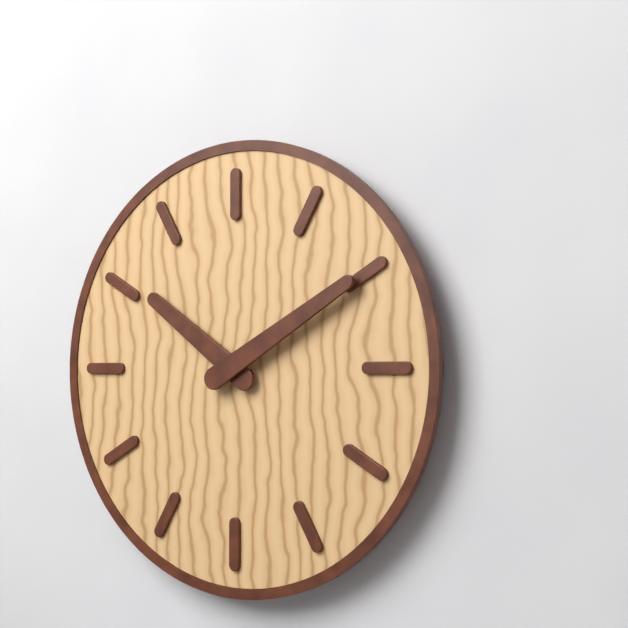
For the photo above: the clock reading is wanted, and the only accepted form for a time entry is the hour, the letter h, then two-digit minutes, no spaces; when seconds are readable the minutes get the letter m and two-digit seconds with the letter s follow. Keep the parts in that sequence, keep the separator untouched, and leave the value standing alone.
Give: 10h10
